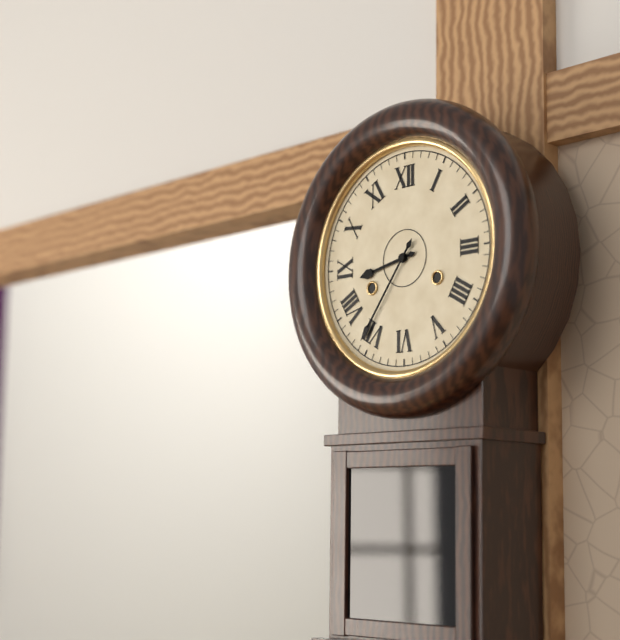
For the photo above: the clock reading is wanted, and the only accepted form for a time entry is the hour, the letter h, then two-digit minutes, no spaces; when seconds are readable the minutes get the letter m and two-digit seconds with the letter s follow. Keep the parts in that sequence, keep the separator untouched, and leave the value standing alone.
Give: 8h36
